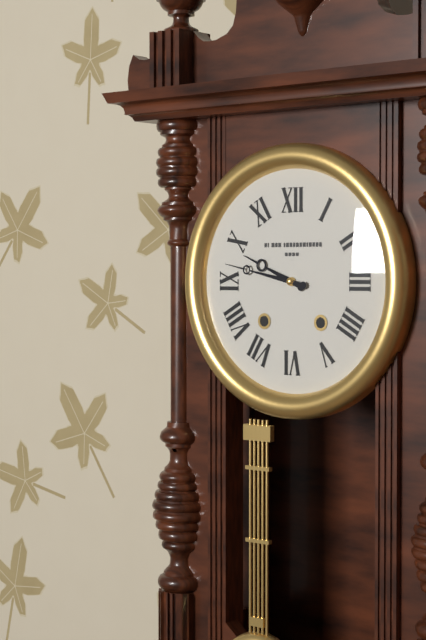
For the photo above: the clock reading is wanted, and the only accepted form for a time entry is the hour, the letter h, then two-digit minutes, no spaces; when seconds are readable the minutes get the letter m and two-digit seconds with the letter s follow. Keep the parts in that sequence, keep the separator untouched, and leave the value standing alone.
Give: 9h47
